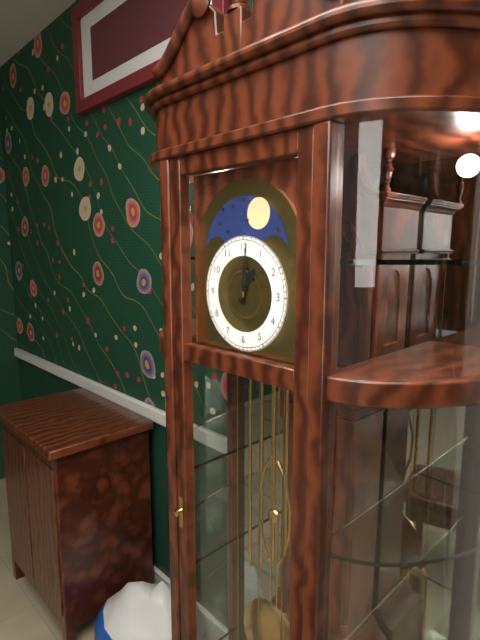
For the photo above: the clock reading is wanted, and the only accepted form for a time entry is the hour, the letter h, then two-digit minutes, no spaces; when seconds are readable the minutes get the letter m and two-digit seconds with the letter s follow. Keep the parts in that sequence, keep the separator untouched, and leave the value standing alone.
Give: 1h01
